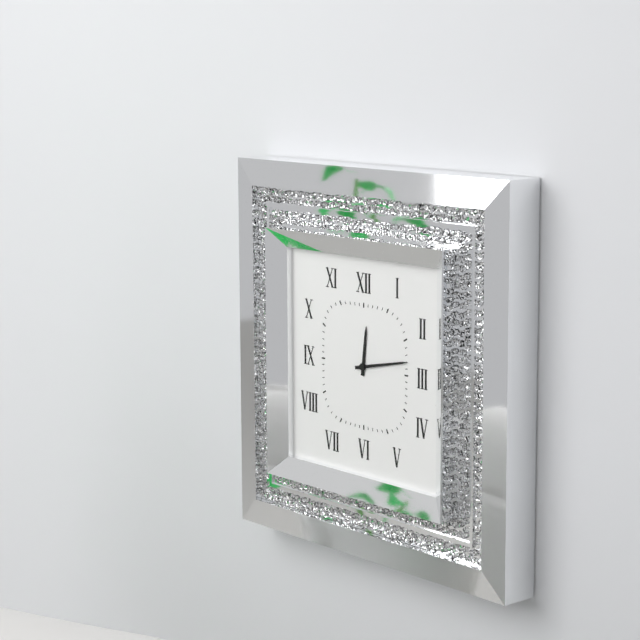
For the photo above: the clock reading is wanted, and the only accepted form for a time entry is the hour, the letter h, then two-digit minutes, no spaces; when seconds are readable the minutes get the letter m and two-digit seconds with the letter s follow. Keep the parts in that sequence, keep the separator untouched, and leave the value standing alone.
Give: 12h13
